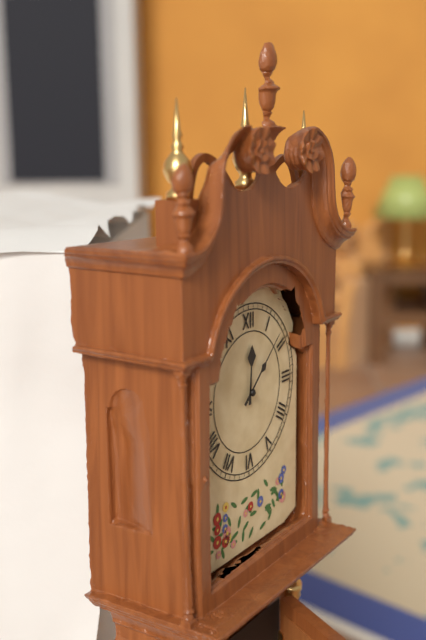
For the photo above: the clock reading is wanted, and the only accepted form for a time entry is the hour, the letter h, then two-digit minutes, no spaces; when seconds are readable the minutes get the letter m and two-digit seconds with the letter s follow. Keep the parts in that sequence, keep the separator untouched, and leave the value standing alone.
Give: 12h08
